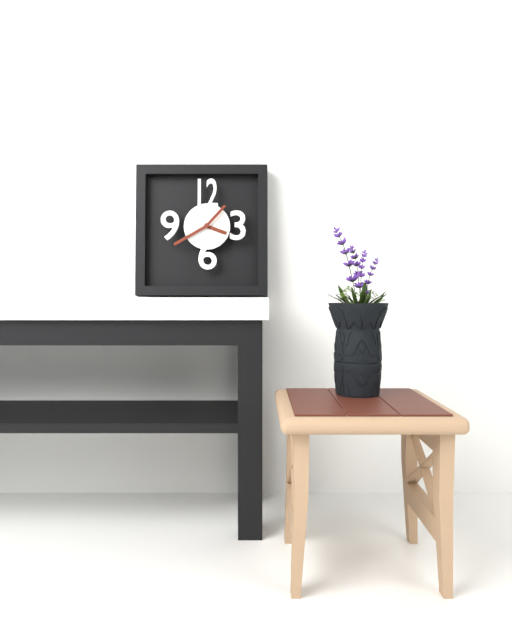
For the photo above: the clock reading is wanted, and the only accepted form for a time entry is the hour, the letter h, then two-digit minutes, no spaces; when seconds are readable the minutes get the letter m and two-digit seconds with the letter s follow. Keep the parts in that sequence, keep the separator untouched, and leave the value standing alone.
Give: 3h40
